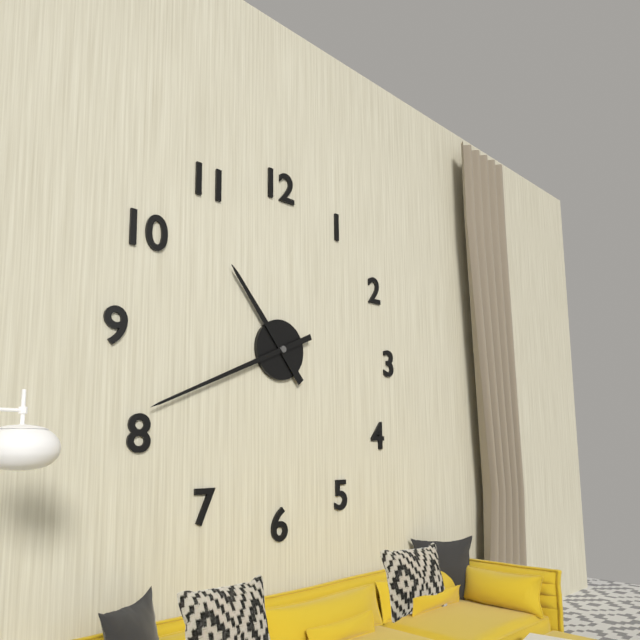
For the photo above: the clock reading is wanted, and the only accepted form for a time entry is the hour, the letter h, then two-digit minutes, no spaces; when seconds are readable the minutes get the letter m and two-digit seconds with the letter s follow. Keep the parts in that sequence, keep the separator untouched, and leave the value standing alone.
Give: 10h41
